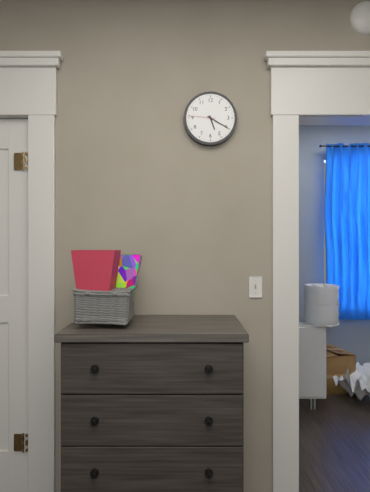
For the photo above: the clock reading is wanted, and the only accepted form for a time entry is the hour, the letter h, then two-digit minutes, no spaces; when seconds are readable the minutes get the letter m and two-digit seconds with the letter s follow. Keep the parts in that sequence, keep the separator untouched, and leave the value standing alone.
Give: 5h20
